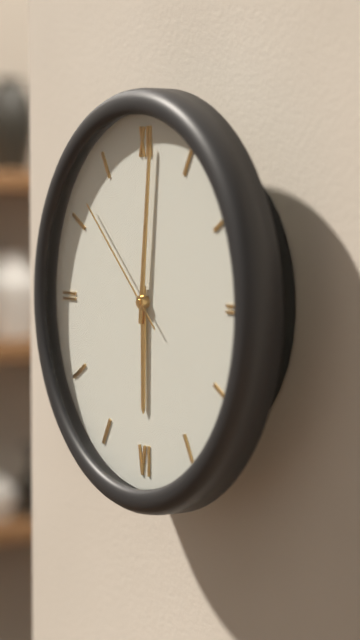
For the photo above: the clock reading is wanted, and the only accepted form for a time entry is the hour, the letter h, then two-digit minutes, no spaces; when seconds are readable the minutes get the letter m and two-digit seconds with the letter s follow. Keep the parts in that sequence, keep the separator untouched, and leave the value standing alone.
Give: 6h01m52s
